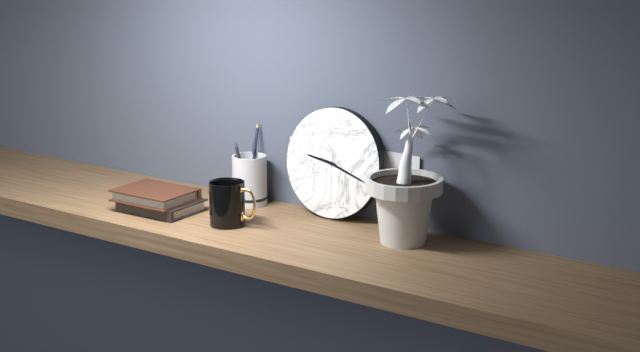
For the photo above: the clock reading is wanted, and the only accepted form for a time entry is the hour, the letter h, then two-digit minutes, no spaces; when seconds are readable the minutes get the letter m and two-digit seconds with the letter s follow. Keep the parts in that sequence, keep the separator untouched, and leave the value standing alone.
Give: 9h18
